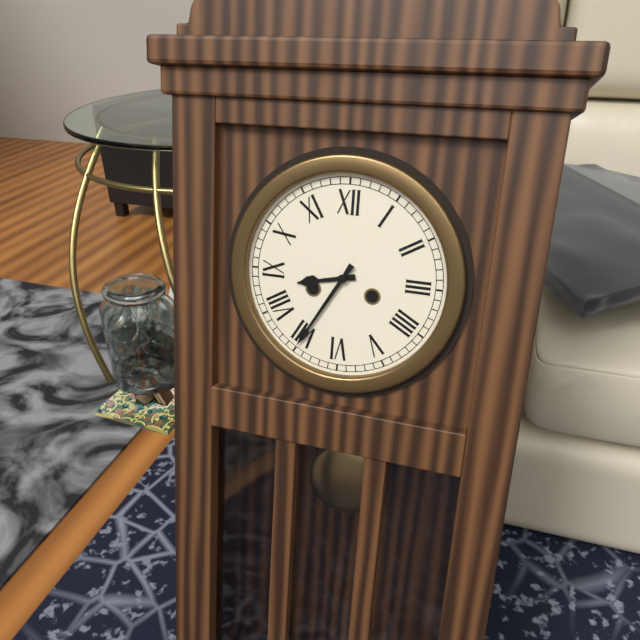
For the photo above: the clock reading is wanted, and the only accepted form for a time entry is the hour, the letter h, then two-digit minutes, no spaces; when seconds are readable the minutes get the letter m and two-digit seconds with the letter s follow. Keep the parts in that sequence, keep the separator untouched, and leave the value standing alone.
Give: 8h35
